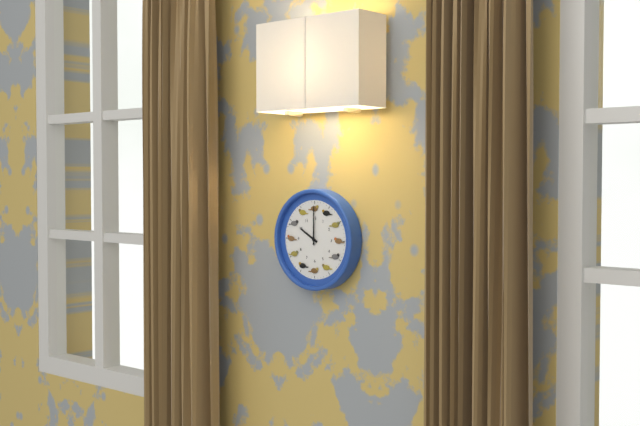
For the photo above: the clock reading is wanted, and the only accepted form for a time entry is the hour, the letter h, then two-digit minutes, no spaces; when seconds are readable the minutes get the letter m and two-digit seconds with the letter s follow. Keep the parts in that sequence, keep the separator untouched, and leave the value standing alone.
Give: 10h00
